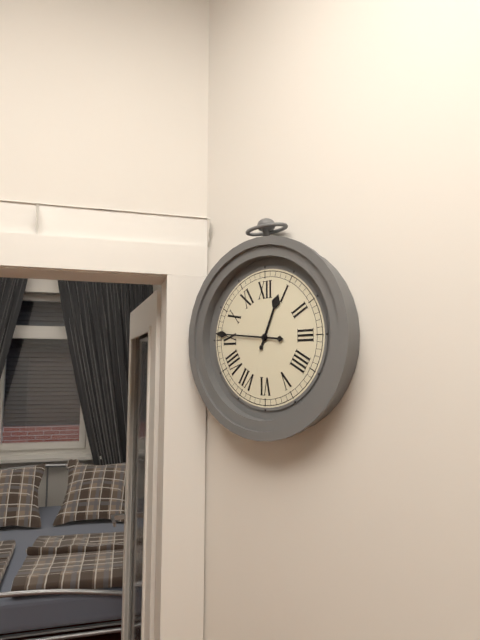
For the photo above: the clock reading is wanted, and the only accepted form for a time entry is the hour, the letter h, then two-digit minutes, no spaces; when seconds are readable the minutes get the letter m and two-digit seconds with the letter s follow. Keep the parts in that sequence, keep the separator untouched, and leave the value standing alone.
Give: 12h46
